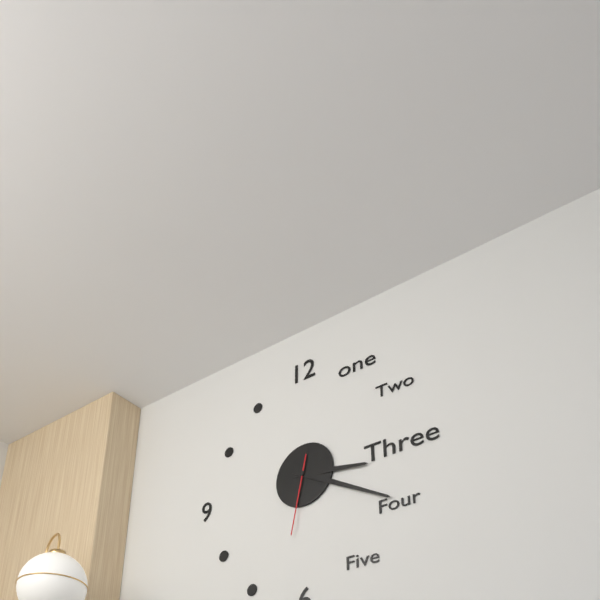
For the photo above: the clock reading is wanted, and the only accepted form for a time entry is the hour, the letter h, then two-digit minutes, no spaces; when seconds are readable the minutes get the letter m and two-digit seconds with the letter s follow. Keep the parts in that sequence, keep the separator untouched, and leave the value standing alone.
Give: 3h20m32s
